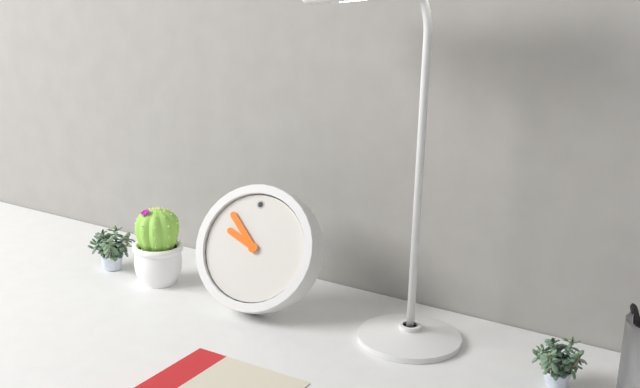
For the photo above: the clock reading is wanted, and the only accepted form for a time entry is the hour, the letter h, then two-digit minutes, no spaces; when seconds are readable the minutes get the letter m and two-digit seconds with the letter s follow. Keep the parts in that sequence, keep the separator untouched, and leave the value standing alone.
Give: 9h53
